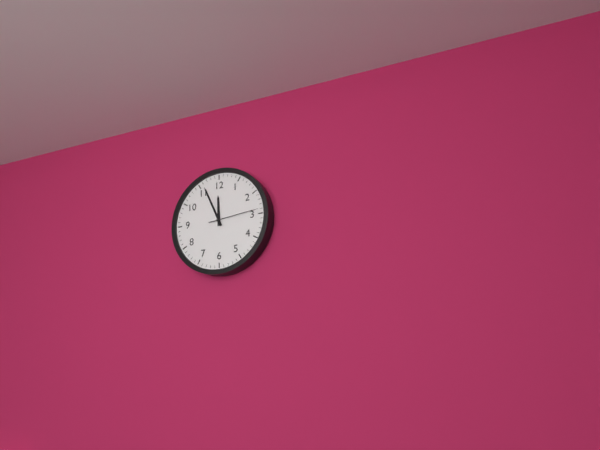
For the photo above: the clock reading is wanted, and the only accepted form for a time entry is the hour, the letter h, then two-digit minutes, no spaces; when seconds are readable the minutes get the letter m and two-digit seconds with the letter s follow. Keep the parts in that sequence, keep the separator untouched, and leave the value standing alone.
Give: 11h56m14s
